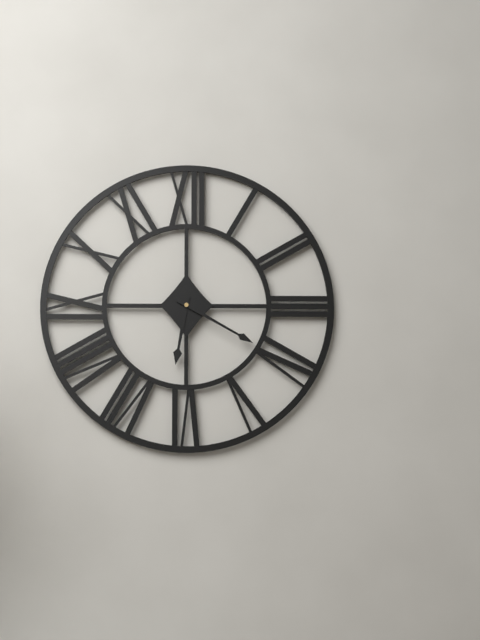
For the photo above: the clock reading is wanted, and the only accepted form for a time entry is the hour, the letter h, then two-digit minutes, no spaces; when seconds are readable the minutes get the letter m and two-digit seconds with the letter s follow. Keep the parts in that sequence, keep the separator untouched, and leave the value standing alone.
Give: 6h20
